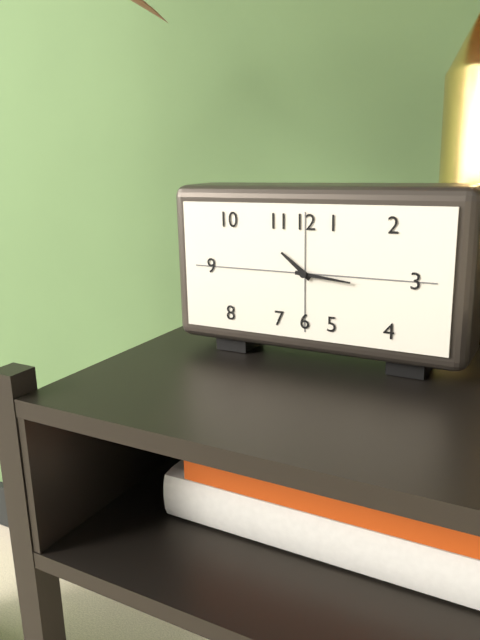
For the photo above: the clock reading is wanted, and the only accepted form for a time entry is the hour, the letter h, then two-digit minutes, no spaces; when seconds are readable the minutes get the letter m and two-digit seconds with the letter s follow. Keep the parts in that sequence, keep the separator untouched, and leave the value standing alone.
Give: 10h16
